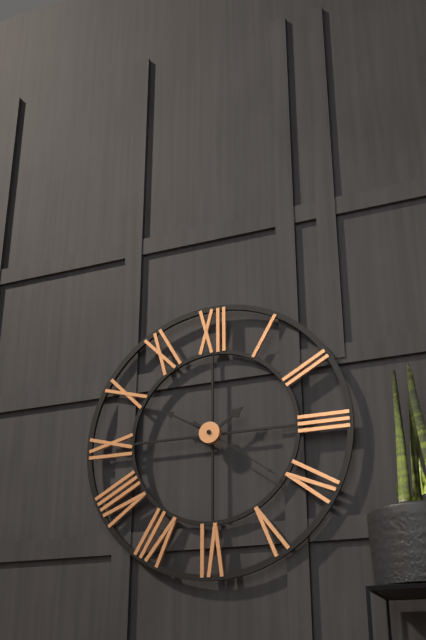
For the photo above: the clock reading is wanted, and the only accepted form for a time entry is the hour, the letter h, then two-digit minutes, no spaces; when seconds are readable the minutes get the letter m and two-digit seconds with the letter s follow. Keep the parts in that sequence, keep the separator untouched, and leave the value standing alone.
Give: 1h50m21s
